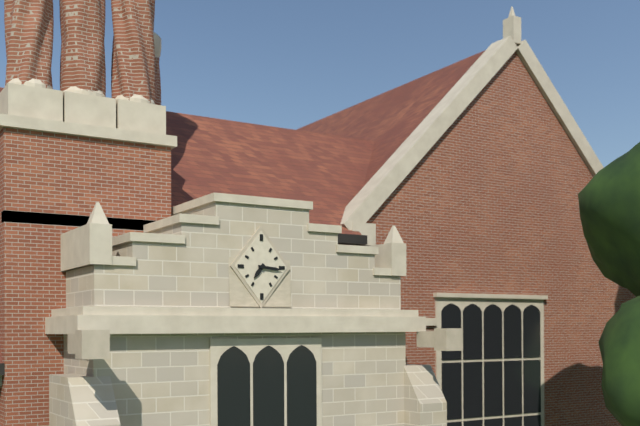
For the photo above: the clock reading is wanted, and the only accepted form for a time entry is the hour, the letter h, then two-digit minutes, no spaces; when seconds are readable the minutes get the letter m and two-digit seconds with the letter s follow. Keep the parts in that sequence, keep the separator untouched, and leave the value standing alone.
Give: 7h16
